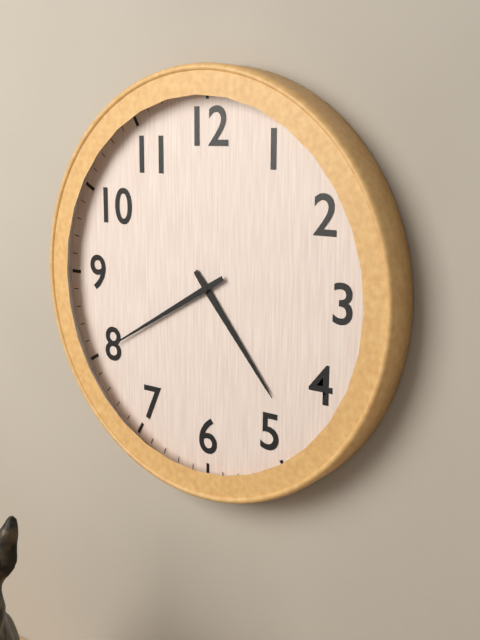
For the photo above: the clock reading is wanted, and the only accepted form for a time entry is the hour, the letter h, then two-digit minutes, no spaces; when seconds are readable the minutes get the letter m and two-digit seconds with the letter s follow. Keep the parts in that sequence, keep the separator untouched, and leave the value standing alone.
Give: 4h40
